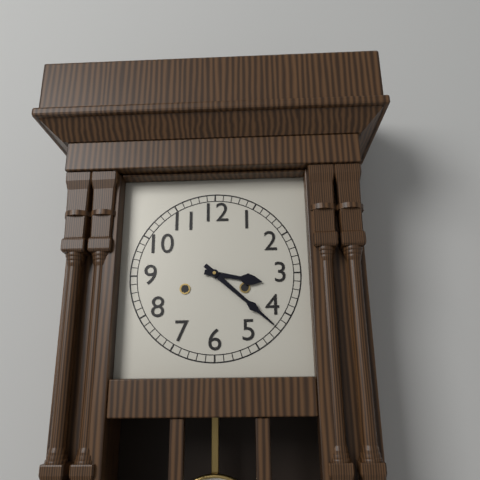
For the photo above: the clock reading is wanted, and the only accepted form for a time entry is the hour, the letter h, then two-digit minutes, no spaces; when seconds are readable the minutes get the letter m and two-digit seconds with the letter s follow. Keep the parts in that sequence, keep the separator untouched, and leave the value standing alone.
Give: 3h22
